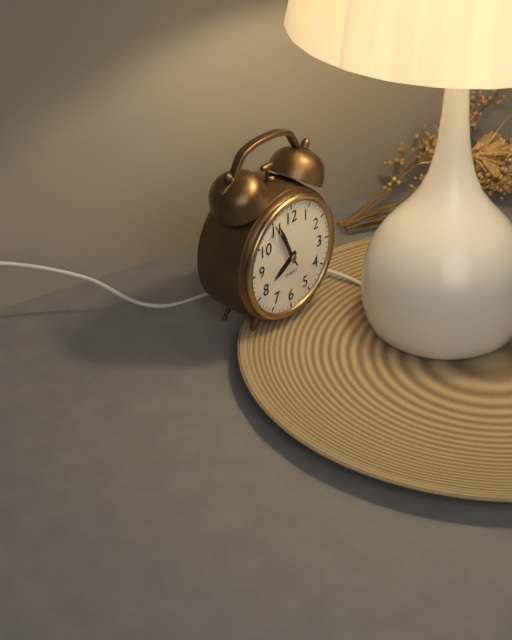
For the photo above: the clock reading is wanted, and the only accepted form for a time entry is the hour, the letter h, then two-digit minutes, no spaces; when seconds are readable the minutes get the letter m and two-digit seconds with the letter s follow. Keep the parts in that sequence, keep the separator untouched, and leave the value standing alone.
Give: 7h56
